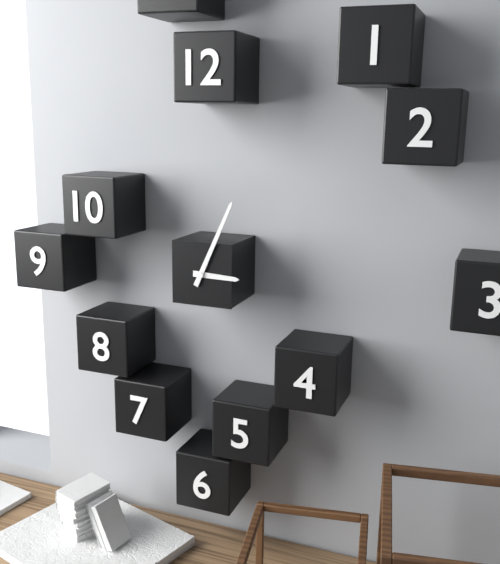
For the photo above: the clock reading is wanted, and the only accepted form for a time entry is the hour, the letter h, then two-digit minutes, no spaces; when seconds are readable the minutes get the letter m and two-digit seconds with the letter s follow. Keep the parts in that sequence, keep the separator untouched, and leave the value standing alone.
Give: 3h04
